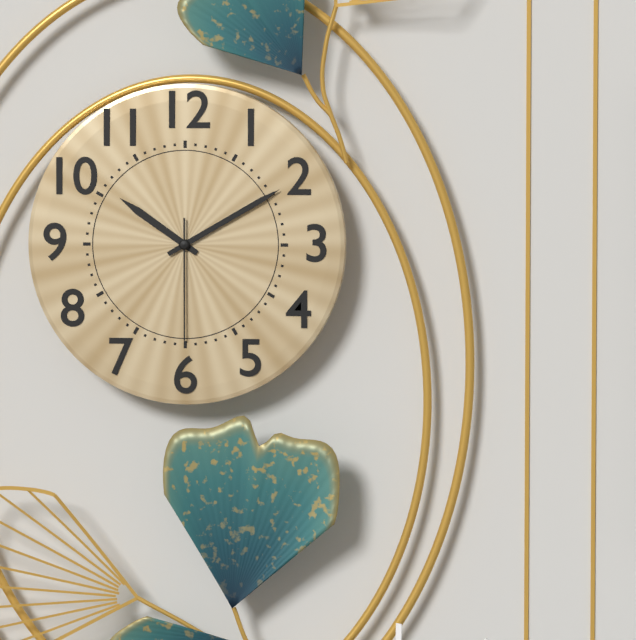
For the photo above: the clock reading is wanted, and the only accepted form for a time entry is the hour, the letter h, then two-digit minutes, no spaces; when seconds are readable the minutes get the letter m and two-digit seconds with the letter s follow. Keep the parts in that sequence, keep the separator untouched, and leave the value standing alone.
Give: 10h10m30s
